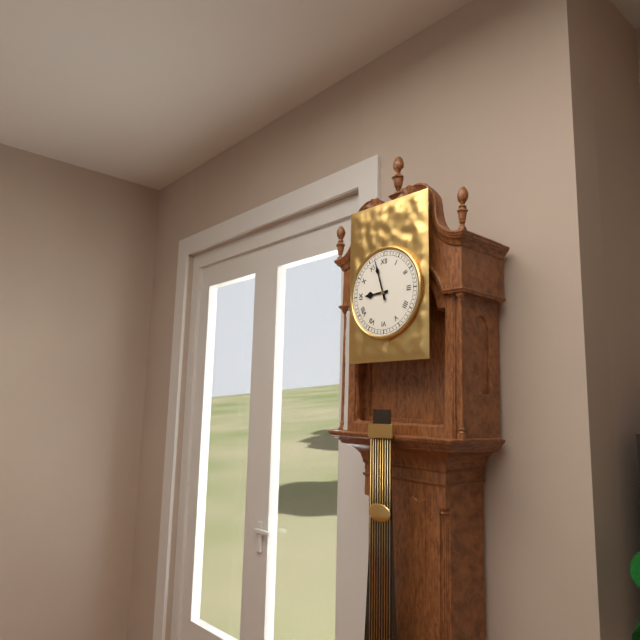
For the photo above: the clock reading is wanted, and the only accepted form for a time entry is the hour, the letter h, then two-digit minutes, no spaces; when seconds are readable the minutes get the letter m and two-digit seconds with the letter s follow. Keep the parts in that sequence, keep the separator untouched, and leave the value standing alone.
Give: 8h57
